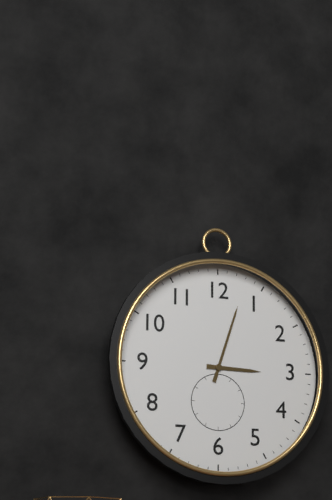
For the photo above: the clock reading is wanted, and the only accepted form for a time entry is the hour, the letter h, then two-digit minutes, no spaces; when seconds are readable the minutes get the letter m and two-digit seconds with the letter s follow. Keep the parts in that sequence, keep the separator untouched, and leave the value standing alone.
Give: 3h03
